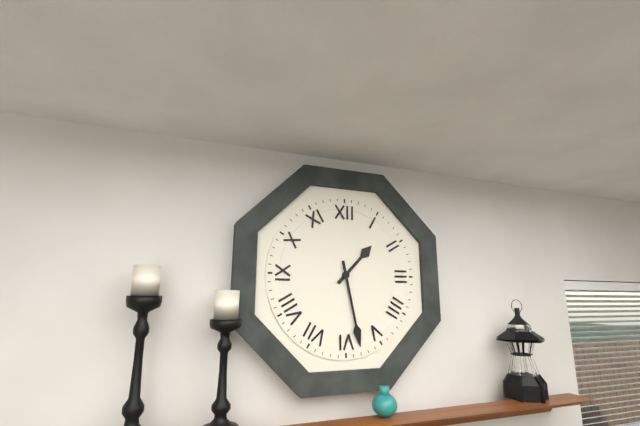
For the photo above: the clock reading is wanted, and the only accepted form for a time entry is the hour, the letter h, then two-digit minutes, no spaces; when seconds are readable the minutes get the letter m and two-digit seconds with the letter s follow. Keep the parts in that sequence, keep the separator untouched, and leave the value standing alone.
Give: 1h28
